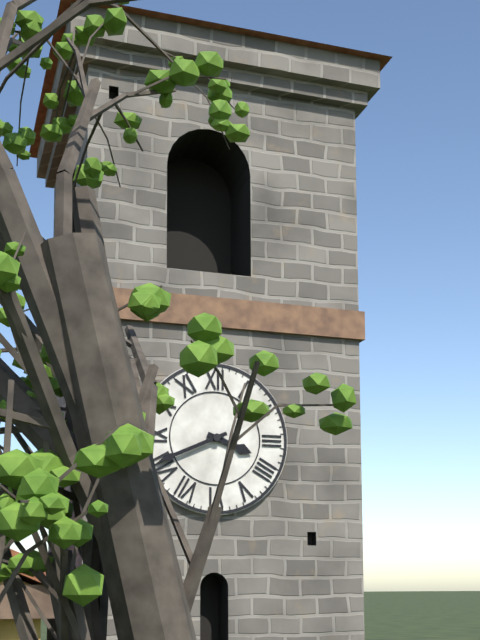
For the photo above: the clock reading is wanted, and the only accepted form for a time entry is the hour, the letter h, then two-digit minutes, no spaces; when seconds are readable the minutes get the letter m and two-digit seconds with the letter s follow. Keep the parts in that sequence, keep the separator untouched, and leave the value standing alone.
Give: 3h41
